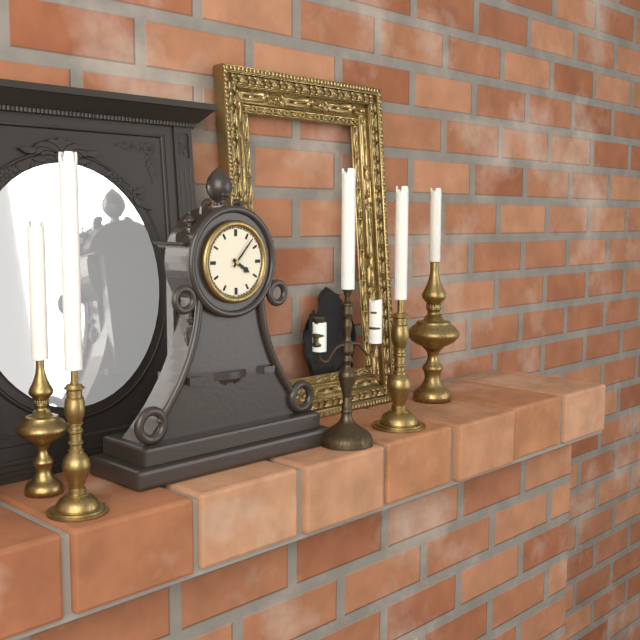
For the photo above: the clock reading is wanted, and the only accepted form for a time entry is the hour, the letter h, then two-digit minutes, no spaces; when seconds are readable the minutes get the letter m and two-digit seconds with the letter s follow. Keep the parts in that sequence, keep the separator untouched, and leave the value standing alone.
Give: 4h07
